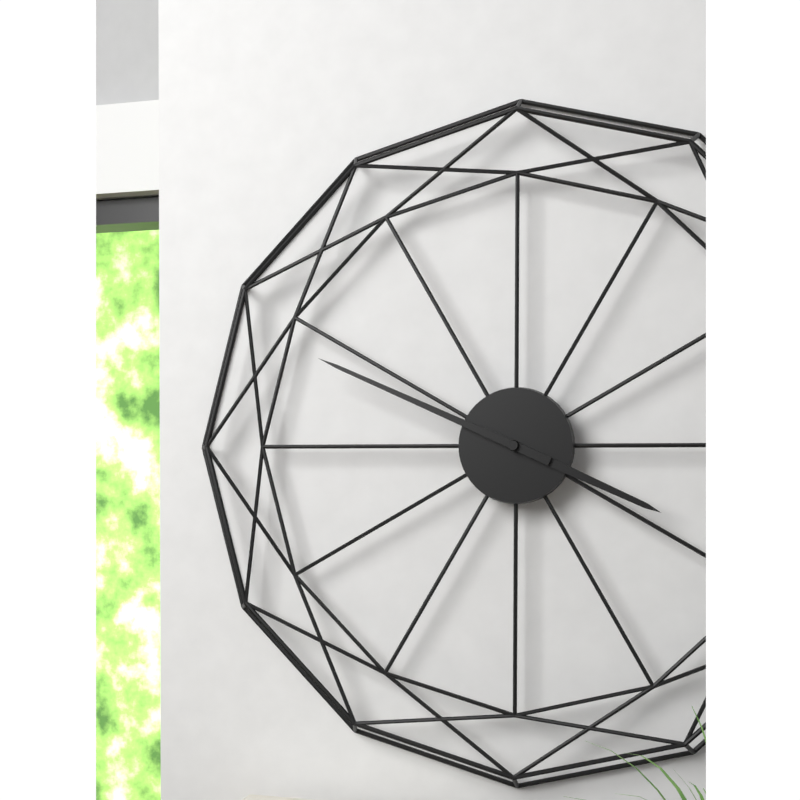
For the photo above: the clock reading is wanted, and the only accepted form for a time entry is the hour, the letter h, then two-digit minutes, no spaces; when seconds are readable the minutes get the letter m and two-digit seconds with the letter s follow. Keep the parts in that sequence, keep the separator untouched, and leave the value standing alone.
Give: 3h49
